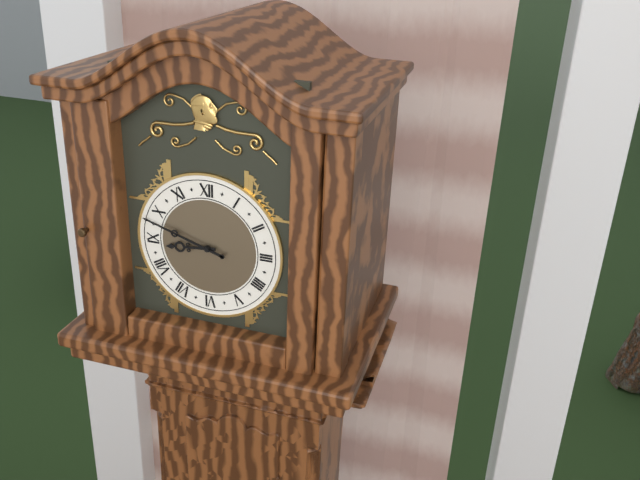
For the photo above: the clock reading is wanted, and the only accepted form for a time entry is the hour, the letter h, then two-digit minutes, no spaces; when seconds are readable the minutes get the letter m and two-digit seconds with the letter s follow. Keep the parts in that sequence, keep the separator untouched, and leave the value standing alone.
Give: 8h48
